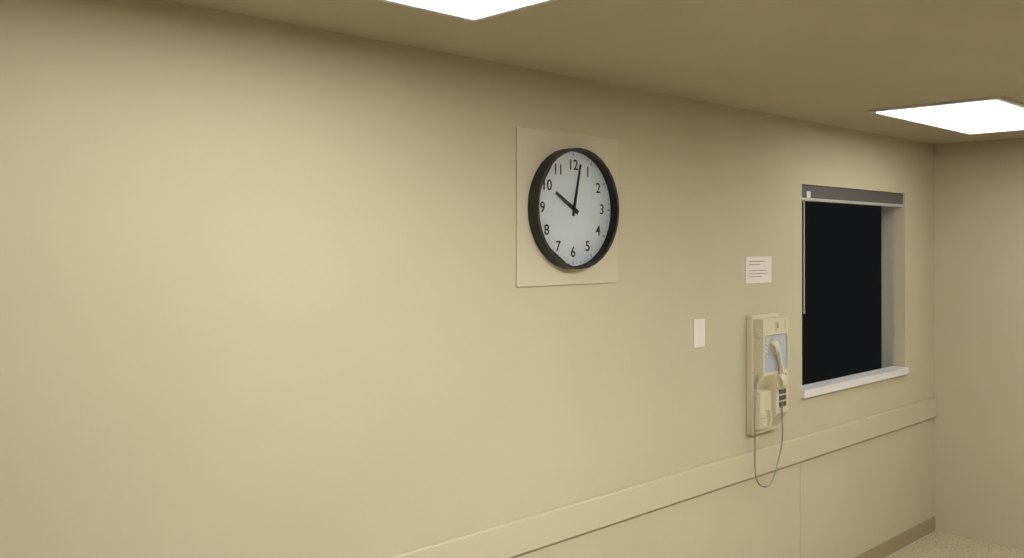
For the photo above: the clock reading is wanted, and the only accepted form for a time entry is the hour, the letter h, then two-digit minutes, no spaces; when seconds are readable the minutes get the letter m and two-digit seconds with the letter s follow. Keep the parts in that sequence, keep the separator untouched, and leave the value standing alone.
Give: 10h02
